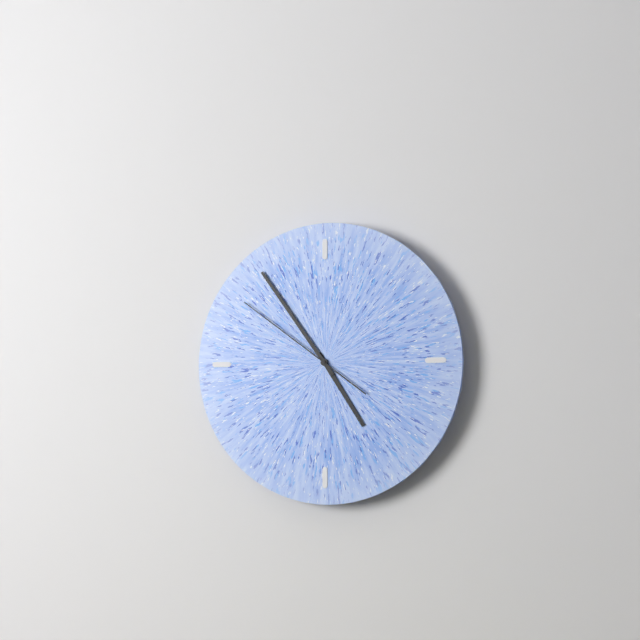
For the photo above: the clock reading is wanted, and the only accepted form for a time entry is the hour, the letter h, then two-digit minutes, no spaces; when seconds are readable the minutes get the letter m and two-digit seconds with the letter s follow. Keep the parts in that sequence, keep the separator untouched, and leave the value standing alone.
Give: 4h54m51s
